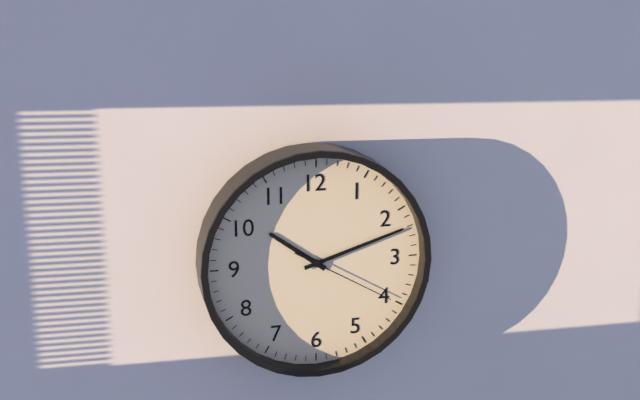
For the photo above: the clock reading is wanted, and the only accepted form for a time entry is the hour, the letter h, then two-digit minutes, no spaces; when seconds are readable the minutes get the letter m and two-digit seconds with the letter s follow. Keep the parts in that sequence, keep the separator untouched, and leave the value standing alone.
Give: 10h12m20s
